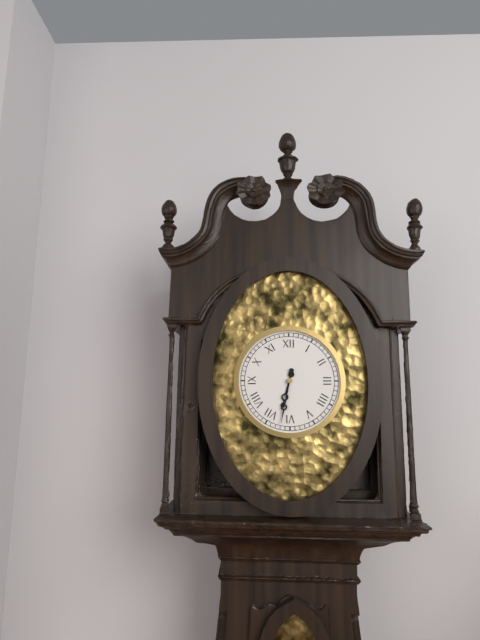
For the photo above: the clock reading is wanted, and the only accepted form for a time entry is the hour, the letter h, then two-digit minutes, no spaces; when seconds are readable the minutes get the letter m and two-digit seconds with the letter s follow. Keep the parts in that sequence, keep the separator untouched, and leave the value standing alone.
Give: 6h32
